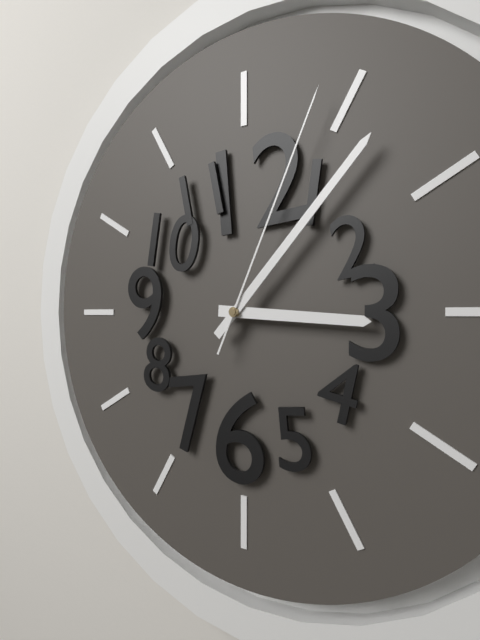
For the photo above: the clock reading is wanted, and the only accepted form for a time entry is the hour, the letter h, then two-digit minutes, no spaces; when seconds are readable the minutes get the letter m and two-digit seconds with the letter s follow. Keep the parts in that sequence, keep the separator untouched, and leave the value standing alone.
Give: 3h07m04s
